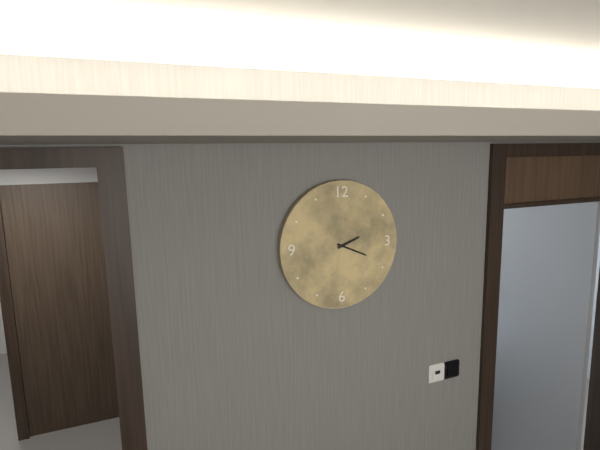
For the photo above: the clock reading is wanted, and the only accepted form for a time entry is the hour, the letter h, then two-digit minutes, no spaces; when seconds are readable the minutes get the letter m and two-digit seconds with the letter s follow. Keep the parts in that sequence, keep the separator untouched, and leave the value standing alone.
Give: 2h19
